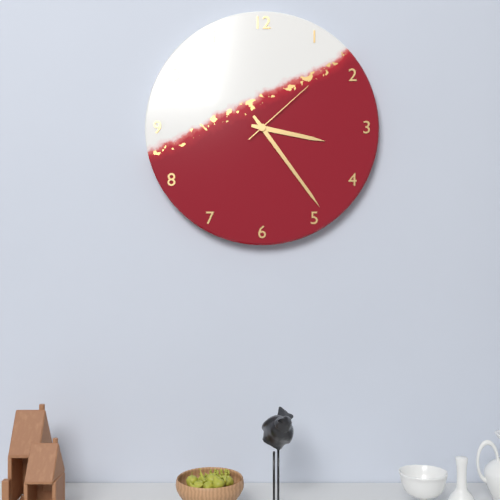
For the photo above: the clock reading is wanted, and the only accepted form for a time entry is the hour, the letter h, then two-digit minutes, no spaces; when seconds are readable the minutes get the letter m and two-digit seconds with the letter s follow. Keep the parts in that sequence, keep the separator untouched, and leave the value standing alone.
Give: 3h24m08s
